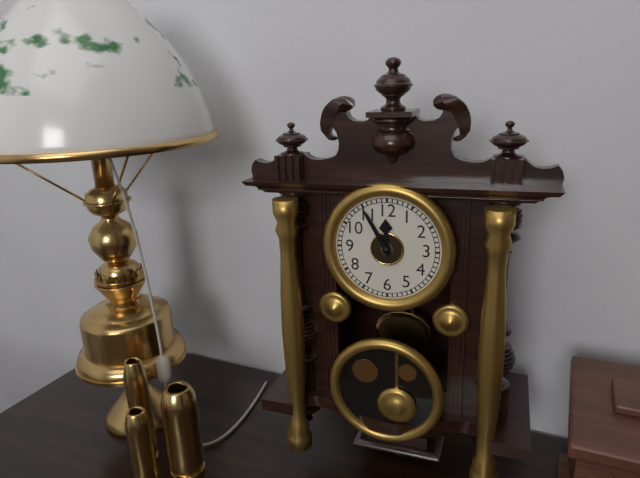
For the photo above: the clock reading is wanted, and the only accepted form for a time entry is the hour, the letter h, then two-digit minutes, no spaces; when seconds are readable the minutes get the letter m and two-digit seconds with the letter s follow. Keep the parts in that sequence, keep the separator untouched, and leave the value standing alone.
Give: 11h55
